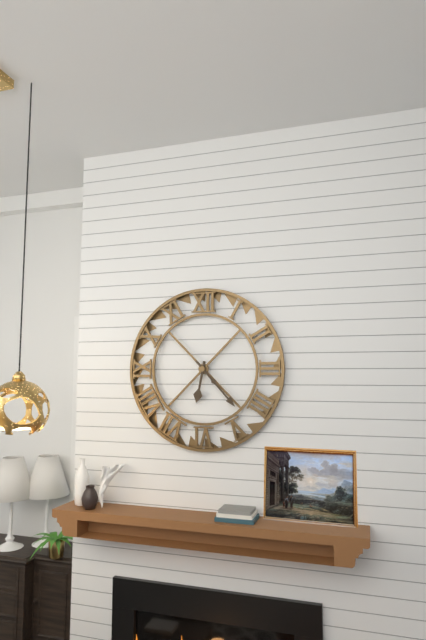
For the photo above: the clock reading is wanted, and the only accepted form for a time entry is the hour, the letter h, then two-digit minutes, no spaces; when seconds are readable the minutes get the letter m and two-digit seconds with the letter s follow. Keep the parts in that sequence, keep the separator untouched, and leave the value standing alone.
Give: 6h23
